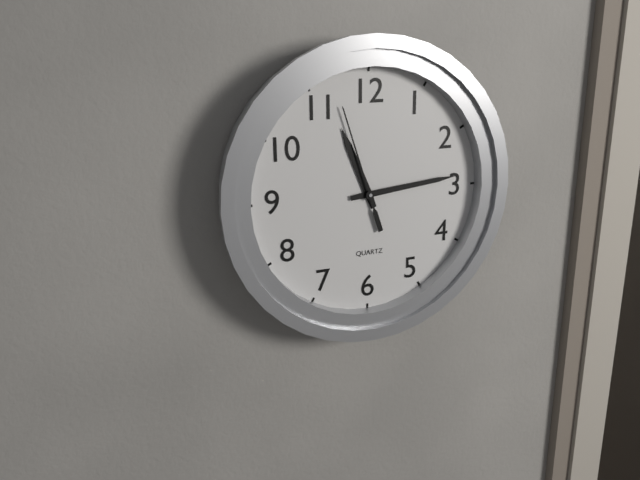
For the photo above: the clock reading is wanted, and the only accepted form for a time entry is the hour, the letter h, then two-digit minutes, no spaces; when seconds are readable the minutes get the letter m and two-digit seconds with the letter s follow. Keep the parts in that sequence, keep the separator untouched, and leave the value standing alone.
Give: 11h14m57s
